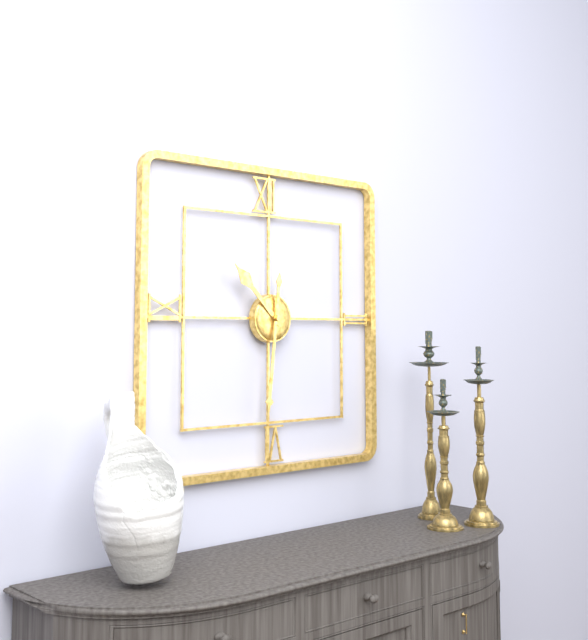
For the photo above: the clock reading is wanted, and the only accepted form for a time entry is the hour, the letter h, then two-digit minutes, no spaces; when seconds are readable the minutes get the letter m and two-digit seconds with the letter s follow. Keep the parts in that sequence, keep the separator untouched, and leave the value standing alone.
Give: 10h31
